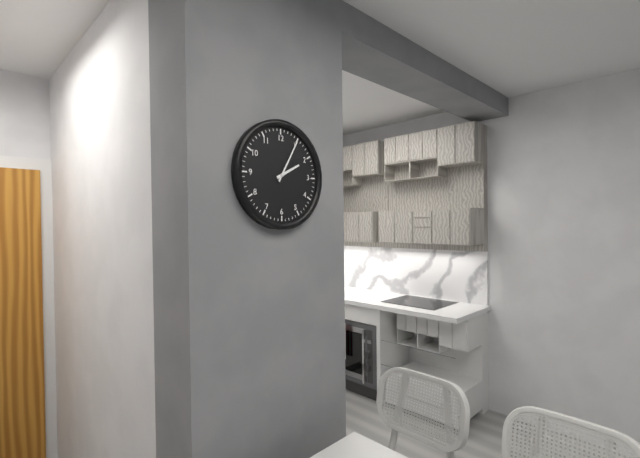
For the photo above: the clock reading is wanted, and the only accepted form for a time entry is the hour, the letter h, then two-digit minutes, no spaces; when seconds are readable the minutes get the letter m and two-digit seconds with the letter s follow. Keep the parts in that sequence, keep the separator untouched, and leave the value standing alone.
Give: 2h05
